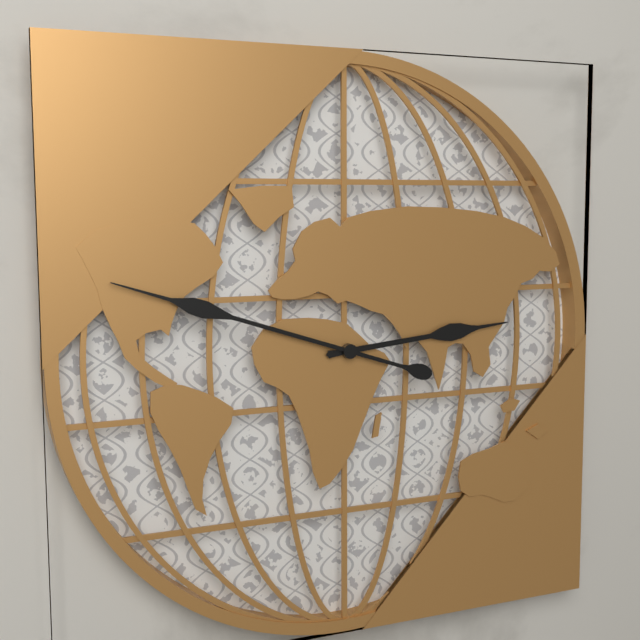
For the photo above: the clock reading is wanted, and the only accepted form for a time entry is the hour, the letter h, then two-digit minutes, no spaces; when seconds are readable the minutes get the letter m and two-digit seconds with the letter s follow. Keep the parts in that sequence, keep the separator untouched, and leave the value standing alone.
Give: 2h48
